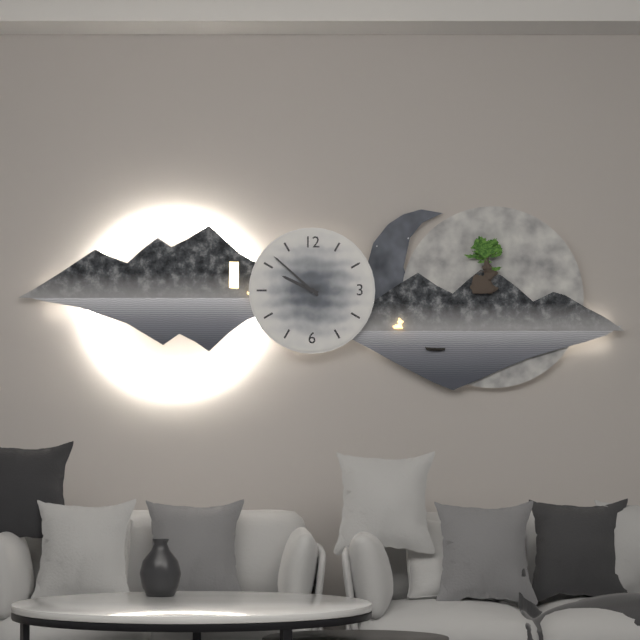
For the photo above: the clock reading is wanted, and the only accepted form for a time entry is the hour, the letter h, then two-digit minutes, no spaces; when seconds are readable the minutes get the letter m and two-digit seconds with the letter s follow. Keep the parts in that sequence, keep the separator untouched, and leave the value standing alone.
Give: 9h52
